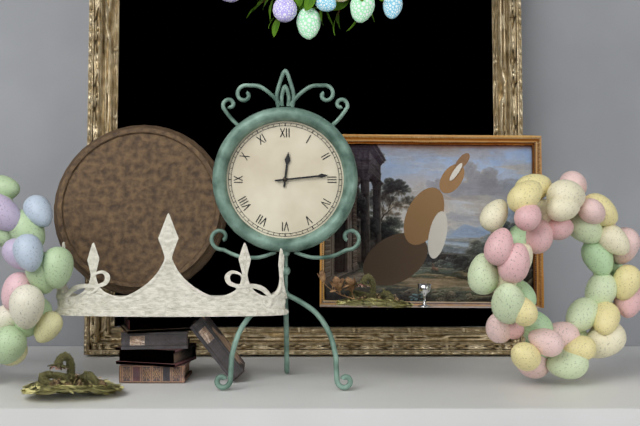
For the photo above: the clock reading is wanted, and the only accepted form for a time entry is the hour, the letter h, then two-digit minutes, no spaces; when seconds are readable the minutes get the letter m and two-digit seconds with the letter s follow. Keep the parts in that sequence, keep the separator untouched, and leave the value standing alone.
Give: 12h14
